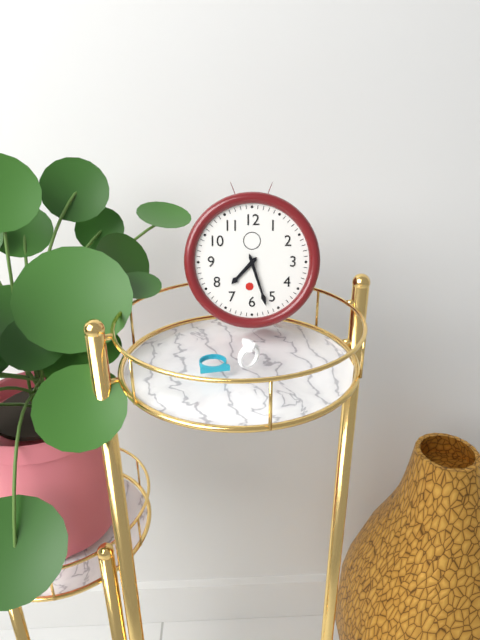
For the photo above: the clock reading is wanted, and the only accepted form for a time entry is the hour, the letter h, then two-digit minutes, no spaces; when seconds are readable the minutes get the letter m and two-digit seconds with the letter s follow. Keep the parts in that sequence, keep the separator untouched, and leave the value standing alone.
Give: 7h27
